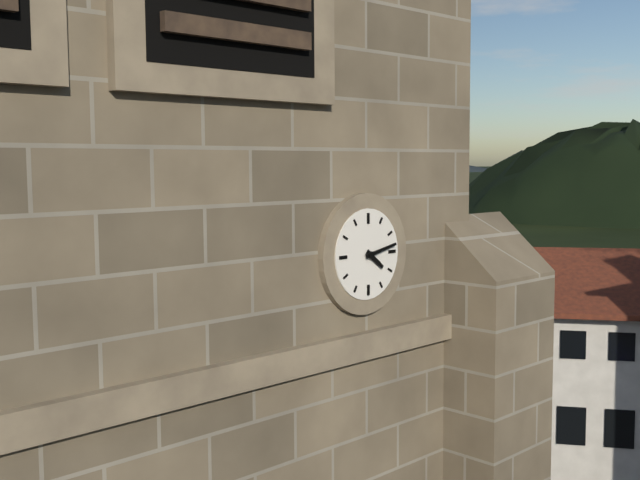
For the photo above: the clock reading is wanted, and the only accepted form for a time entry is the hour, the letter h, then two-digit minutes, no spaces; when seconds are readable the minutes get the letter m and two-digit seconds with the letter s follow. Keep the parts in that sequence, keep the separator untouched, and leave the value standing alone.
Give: 4h13
